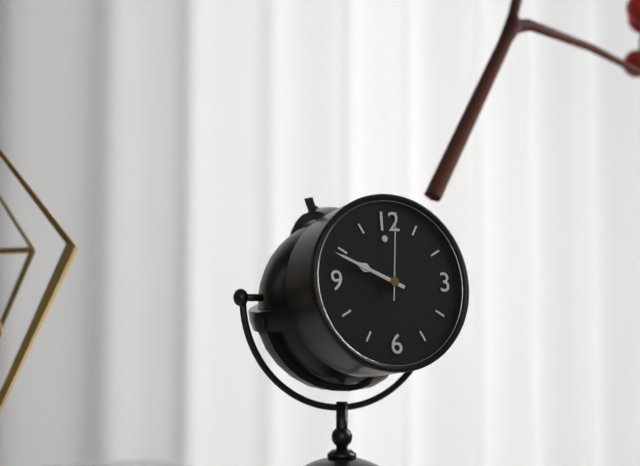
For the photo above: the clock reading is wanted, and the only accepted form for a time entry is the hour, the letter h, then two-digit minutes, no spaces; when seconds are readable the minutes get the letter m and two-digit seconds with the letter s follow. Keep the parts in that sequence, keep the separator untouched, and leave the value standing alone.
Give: 9h49m01s
